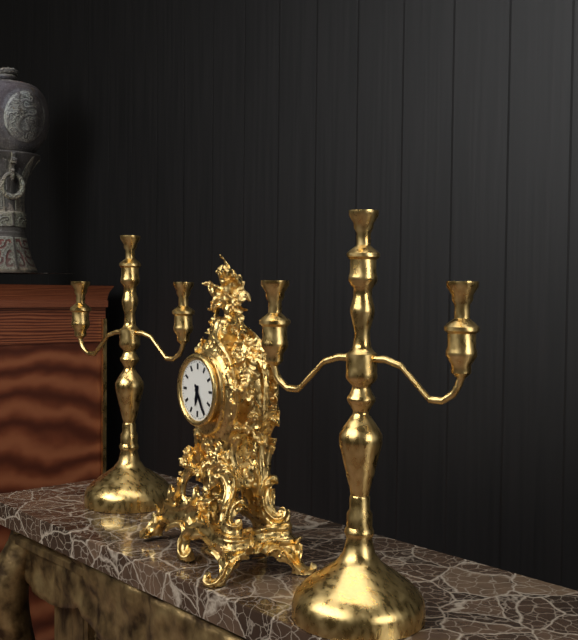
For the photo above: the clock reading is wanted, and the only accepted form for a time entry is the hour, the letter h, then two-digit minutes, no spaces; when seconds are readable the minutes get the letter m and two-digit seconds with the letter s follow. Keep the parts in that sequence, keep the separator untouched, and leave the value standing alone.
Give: 6h25
